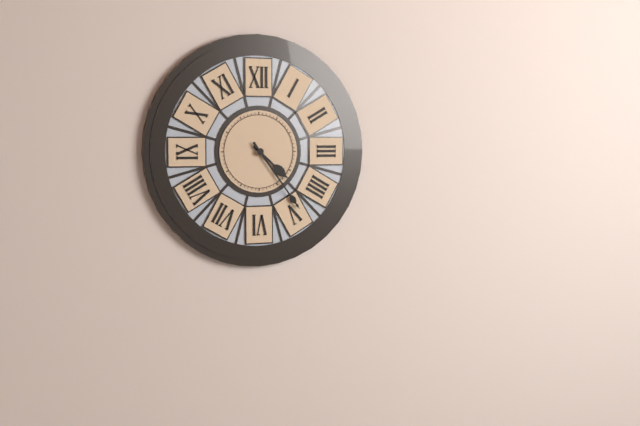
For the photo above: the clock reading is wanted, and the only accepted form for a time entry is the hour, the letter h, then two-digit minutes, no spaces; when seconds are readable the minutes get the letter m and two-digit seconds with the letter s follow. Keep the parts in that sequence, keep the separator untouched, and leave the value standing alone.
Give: 4h24
